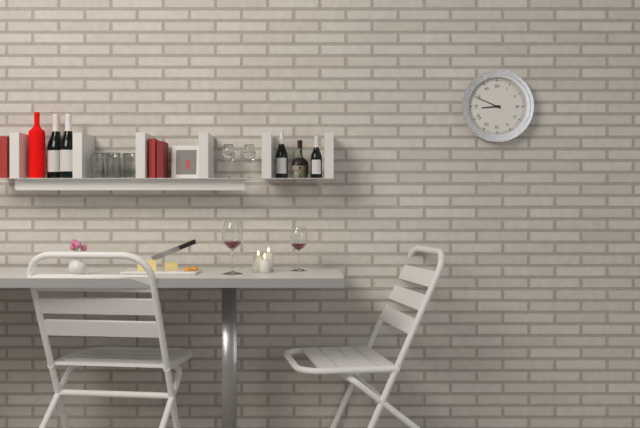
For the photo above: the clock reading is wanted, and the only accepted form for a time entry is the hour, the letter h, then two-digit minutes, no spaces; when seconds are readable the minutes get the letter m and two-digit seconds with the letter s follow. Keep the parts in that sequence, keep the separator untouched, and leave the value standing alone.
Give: 8h49
